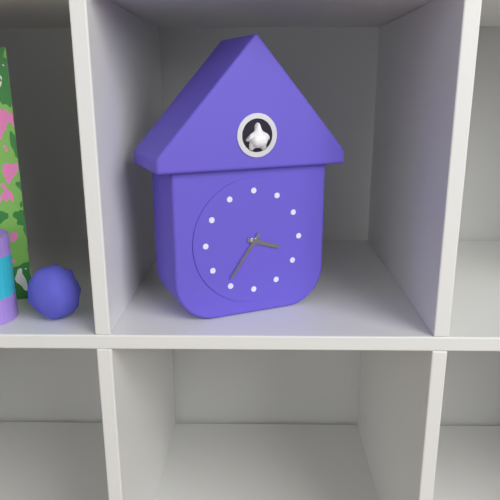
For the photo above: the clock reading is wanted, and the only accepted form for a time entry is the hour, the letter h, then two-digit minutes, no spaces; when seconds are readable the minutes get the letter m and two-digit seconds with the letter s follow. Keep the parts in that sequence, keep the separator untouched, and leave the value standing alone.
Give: 3h36
